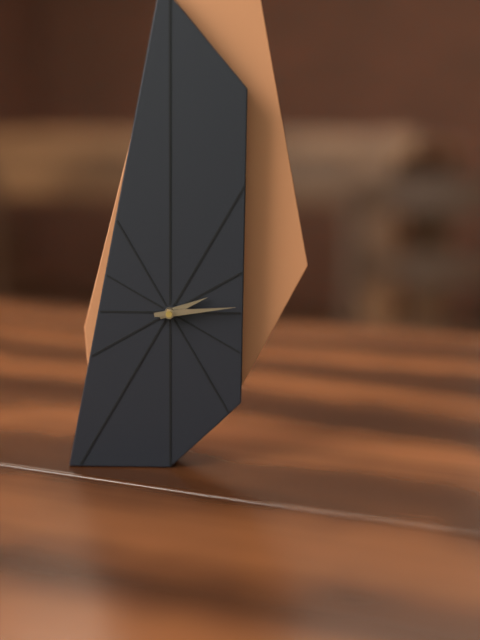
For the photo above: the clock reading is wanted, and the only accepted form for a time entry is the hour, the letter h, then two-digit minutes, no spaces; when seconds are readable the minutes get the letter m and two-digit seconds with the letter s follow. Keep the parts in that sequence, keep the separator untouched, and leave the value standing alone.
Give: 2h14
